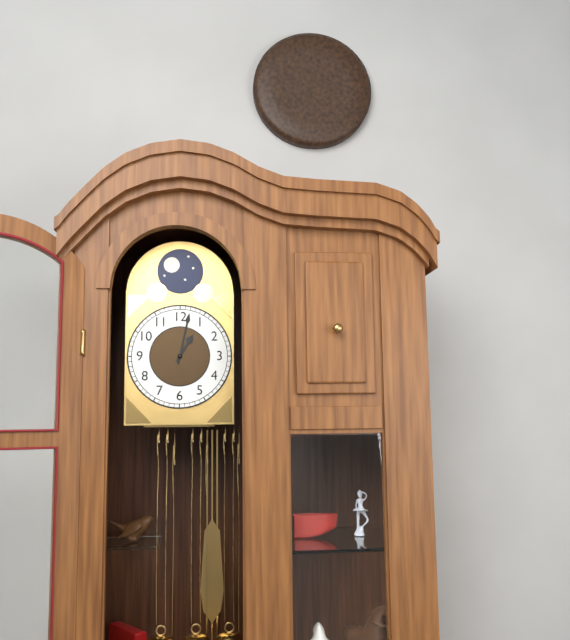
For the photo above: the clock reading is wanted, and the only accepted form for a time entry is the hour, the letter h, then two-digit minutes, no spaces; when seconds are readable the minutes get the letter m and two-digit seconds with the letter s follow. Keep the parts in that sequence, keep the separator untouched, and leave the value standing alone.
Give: 1h02
